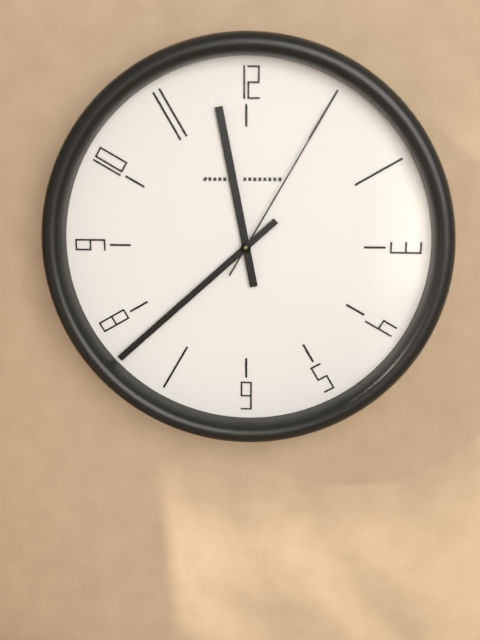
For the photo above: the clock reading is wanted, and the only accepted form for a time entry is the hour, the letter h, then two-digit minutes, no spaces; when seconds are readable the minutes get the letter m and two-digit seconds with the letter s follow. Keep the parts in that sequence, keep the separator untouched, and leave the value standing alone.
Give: 11h38m05s
